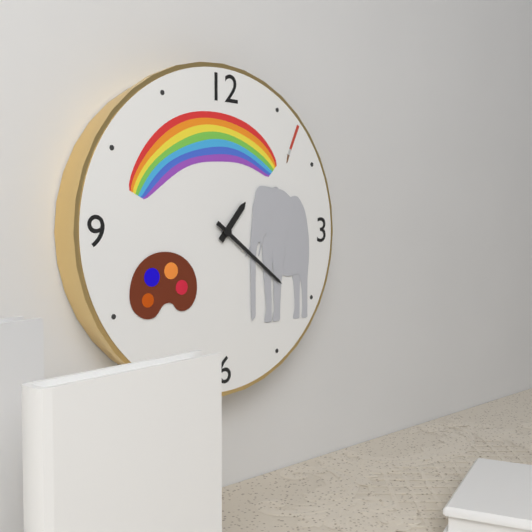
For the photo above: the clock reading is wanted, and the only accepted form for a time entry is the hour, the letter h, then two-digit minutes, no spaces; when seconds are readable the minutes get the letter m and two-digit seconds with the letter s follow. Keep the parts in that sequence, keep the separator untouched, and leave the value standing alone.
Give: 1h21
